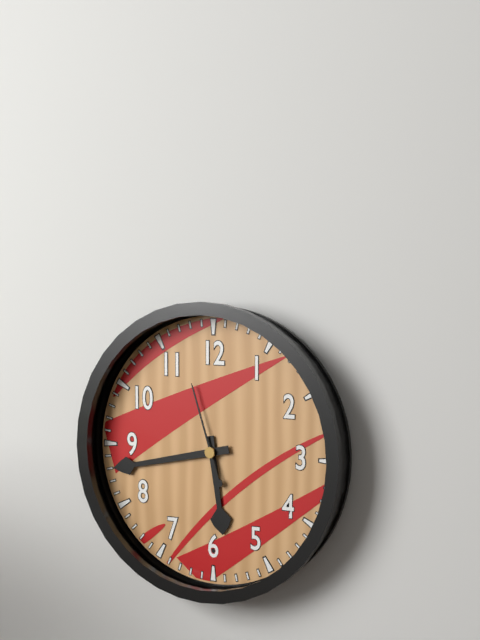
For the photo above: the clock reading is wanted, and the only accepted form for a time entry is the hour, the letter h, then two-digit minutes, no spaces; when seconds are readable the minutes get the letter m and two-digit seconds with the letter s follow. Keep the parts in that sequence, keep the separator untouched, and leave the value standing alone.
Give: 5h43m57s
